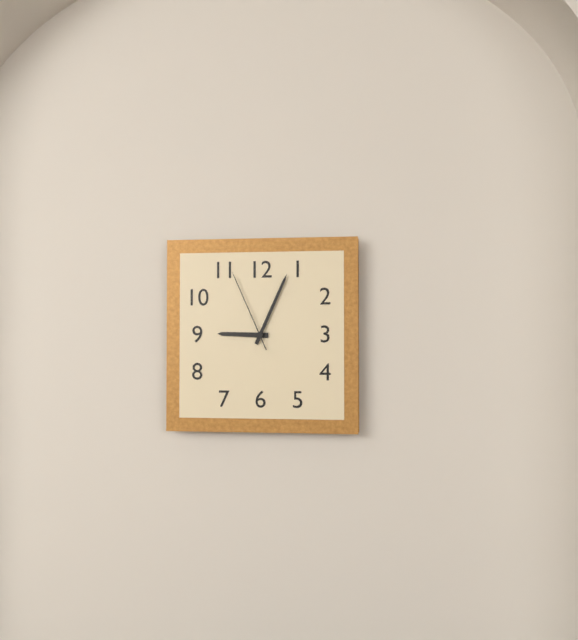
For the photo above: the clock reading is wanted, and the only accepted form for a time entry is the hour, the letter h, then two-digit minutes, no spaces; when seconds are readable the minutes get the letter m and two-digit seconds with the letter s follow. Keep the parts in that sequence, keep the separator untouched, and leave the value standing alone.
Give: 9h04m56s
